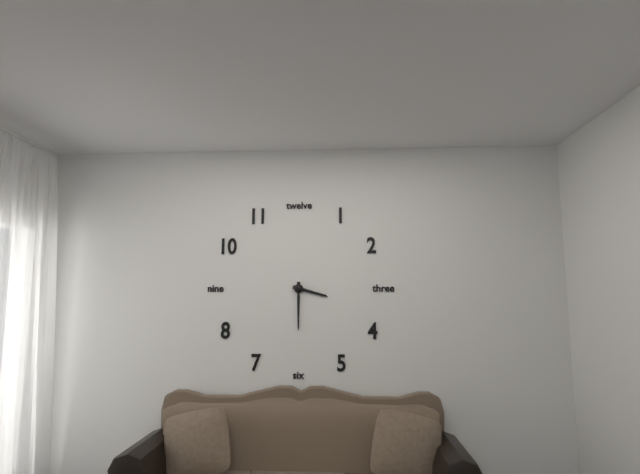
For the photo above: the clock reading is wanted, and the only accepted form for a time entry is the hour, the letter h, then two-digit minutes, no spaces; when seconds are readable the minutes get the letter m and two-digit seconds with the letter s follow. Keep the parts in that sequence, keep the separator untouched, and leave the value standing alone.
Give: 3h30
